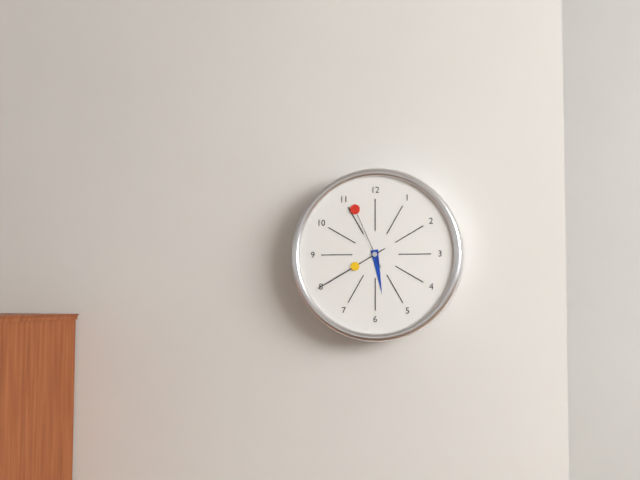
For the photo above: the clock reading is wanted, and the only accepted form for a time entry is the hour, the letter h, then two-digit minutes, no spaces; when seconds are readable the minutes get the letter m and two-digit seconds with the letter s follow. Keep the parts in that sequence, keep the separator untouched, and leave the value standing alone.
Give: 5h40m56s
